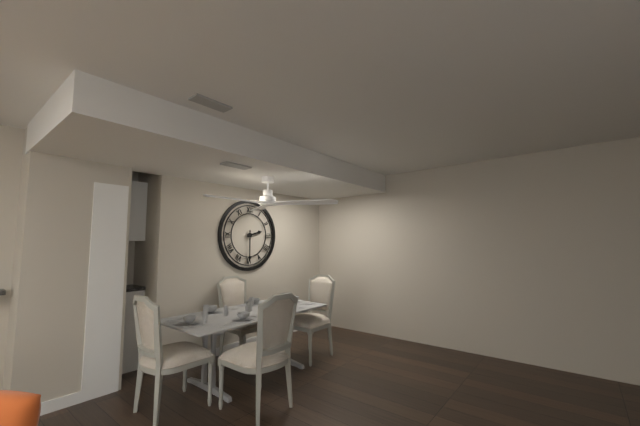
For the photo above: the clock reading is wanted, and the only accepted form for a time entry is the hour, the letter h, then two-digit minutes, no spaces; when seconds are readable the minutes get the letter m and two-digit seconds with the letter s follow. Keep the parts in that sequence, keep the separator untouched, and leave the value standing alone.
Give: 2h30
